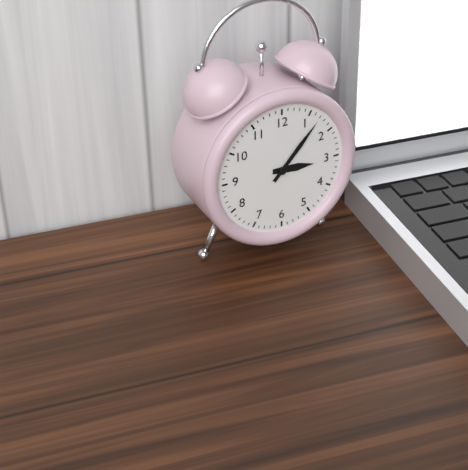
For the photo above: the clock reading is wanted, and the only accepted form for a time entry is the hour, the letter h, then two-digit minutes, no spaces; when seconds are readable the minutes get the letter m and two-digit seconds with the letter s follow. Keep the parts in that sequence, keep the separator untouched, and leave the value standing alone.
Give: 3h07
